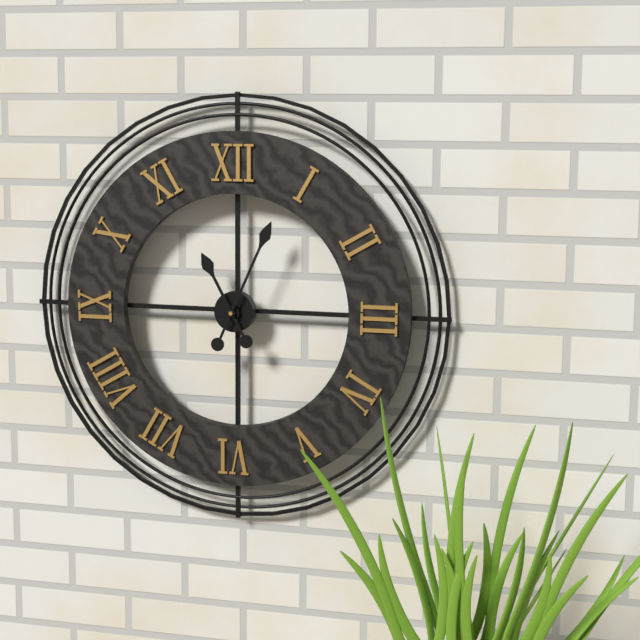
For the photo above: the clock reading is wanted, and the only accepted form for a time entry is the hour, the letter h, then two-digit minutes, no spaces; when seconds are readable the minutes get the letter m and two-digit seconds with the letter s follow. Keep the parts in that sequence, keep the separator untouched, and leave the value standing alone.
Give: 11h04
